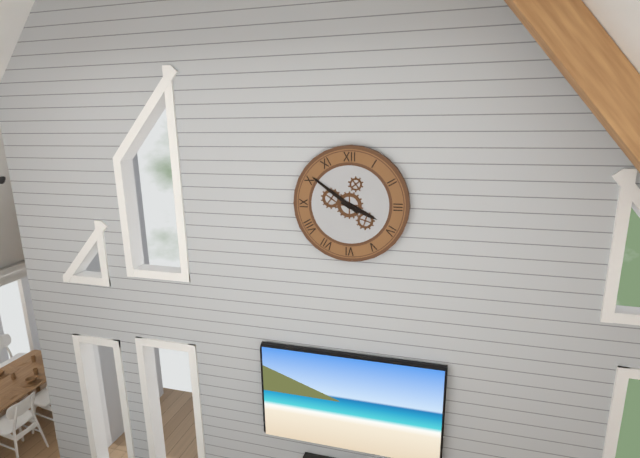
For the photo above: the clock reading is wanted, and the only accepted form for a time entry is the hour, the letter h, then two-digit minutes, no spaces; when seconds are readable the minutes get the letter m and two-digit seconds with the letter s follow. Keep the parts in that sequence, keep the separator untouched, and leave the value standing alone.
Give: 3h51
